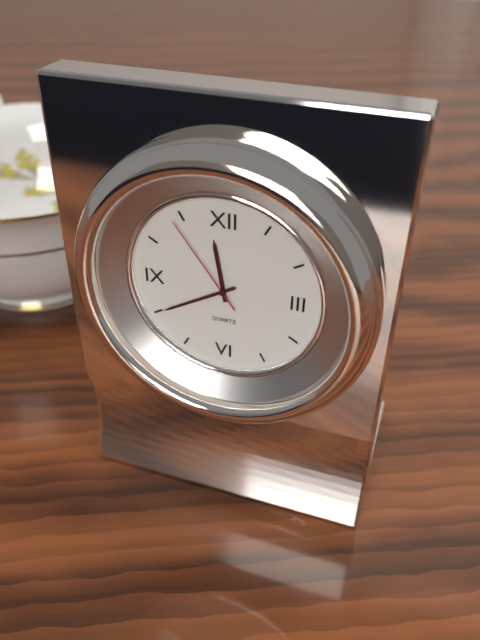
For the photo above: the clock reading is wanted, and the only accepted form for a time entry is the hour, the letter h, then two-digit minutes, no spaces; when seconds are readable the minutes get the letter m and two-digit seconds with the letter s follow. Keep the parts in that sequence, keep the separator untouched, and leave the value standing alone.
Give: 11h40m54s
